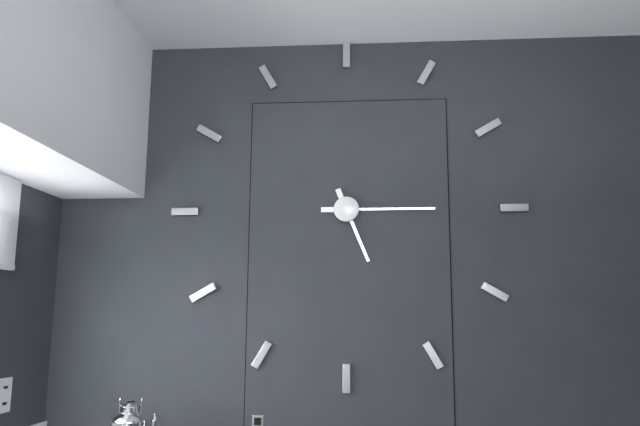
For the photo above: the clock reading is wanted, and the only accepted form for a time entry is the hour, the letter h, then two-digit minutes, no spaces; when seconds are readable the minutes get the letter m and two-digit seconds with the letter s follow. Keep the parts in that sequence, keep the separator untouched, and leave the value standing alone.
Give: 5h15
